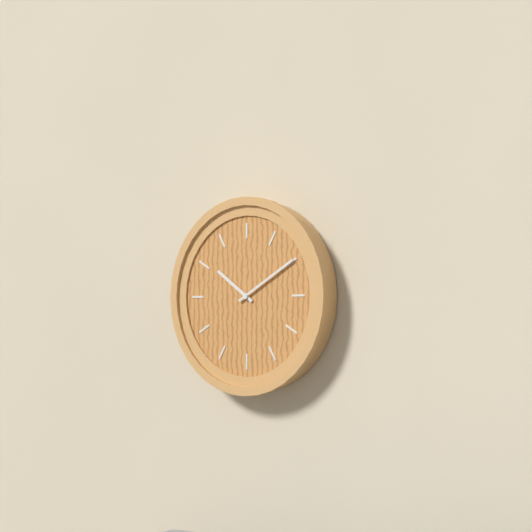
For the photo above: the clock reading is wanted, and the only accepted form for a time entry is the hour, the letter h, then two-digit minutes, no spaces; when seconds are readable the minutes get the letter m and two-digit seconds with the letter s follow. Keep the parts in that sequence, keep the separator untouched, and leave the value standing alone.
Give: 10h10
